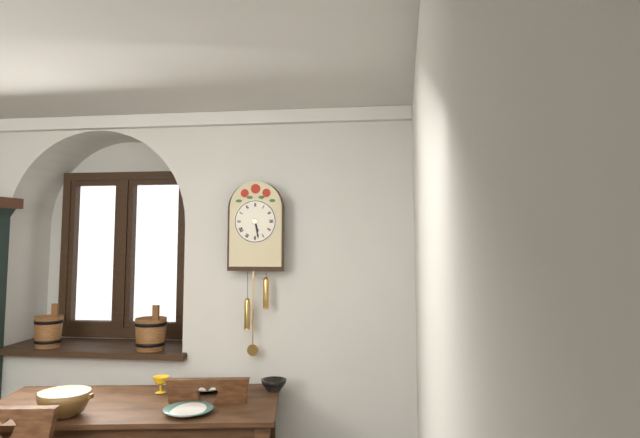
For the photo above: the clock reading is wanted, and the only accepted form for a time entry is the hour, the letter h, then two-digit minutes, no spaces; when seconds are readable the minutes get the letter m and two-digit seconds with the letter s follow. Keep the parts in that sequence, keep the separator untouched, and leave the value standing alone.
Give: 5h28
